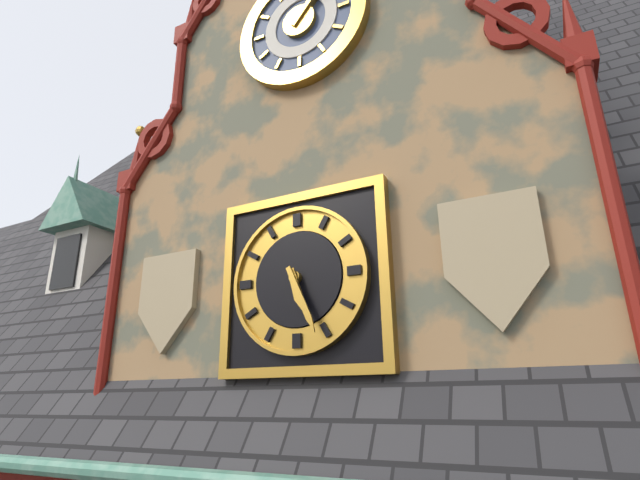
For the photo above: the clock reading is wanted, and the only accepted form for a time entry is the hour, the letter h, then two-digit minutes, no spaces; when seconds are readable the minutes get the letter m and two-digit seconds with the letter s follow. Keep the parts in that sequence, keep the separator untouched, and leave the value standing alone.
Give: 5h26
